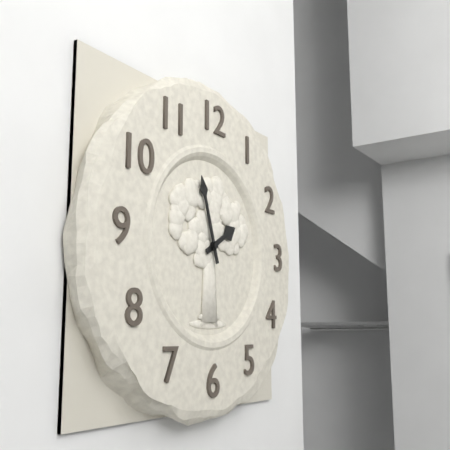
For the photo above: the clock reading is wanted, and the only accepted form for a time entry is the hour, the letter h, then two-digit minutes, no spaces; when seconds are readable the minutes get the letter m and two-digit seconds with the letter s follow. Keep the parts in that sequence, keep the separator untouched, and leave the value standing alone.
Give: 1h57
